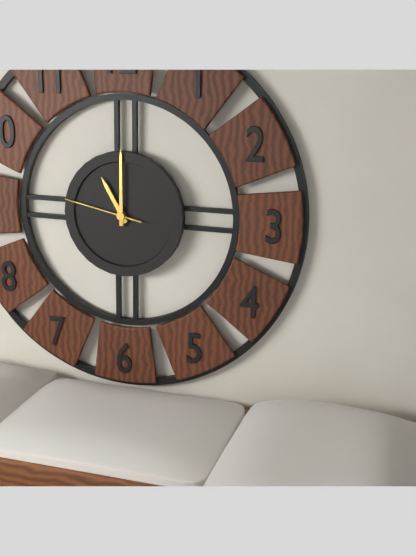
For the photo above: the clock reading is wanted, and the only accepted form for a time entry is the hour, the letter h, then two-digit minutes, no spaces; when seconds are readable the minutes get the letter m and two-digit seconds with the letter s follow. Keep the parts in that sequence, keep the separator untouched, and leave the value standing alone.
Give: 11h00m47s
